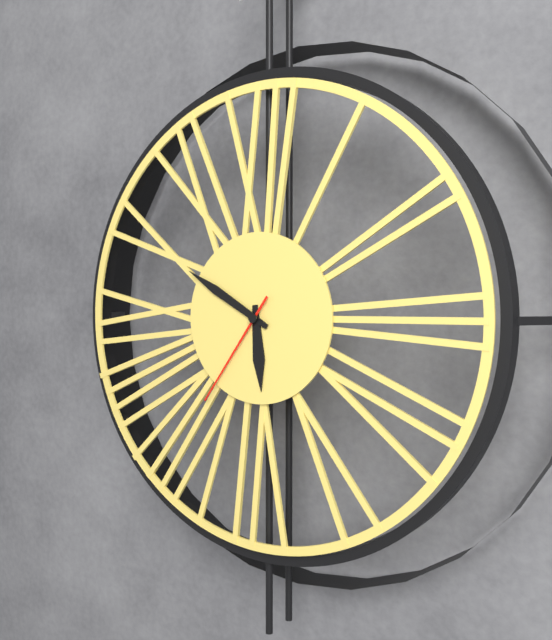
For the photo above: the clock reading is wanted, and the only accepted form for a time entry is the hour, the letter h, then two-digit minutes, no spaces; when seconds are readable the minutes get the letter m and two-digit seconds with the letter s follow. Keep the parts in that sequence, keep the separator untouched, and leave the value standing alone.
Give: 5h50m36s
